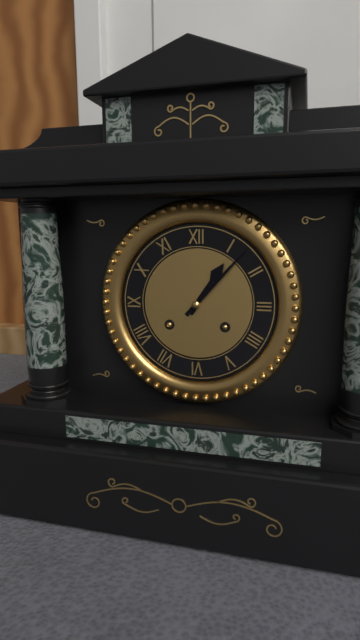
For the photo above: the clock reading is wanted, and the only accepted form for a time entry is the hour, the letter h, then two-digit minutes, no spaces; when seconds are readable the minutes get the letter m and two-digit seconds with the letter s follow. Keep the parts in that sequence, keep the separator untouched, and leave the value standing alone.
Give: 1h07
